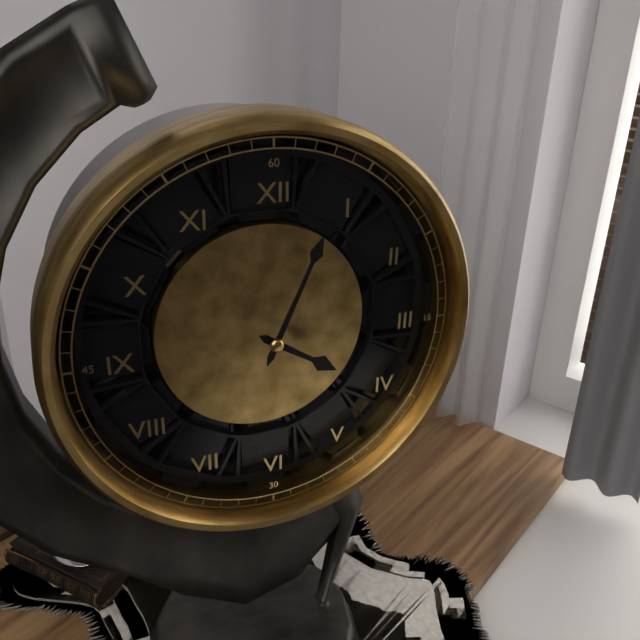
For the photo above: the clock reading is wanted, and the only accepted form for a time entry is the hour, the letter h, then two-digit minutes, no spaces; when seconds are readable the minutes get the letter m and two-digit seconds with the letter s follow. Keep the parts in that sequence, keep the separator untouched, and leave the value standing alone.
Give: 4h04
